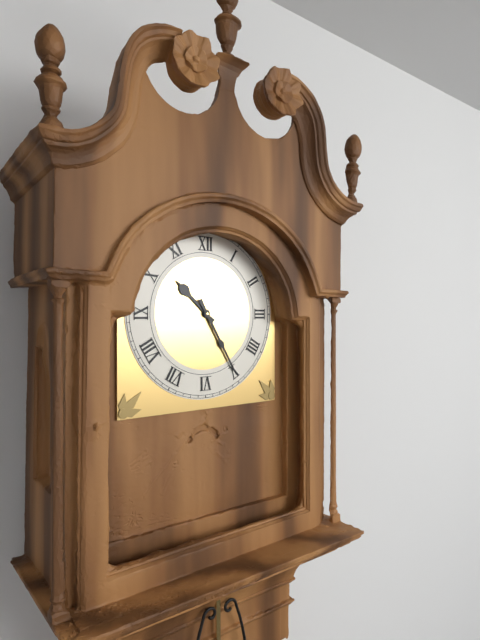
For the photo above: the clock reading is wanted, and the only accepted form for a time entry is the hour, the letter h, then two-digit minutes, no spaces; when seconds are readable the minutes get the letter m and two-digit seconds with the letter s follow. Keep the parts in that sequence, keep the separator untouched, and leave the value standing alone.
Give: 10h25
